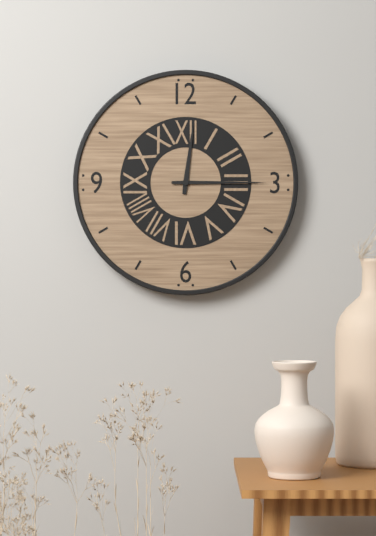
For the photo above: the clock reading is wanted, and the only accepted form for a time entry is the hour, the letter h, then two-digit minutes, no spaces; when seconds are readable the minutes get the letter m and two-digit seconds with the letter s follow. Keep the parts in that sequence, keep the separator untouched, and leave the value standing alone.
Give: 12h15
